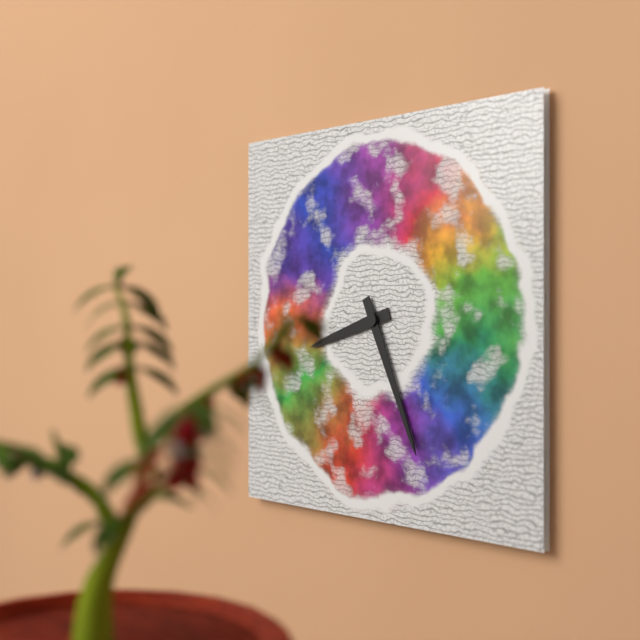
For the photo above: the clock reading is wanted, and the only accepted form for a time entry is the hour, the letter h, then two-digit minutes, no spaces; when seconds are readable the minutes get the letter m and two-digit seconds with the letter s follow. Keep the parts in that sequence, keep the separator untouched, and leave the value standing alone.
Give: 8h26
